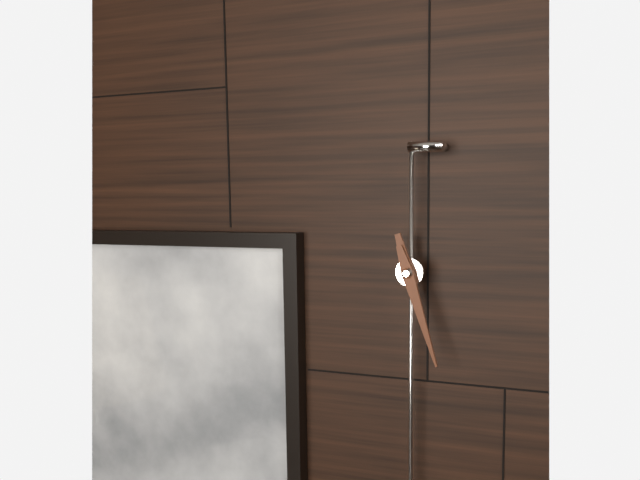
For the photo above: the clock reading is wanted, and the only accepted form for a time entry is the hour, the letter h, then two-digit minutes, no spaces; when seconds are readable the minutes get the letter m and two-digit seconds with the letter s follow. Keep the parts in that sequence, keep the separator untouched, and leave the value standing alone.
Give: 5h27
